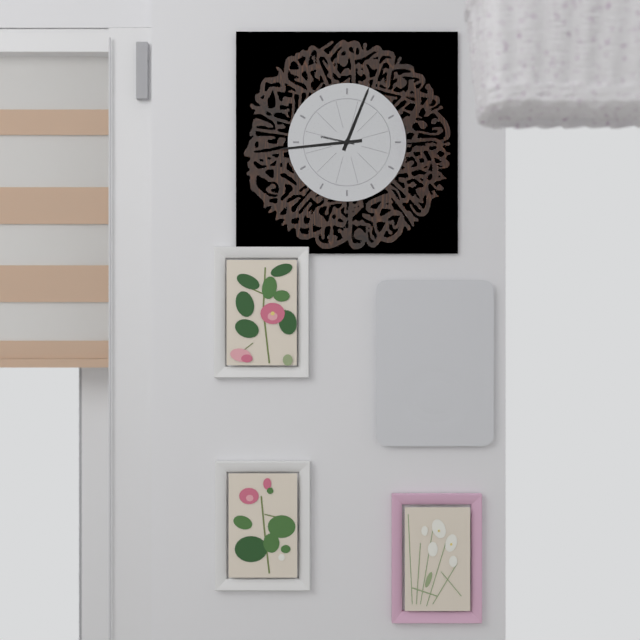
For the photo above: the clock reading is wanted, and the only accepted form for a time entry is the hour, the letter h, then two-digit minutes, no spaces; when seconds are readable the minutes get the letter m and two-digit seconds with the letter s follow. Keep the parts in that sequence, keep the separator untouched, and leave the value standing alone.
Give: 12h44
